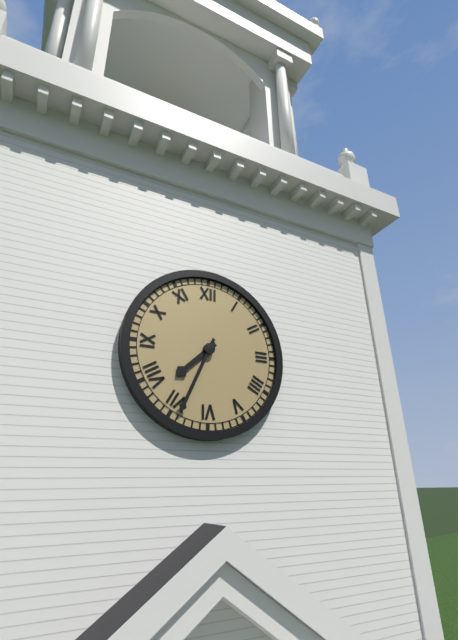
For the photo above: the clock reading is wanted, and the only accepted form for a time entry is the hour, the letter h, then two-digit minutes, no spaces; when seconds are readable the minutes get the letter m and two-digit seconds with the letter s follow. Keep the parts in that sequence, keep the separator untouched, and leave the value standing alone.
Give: 7h34
